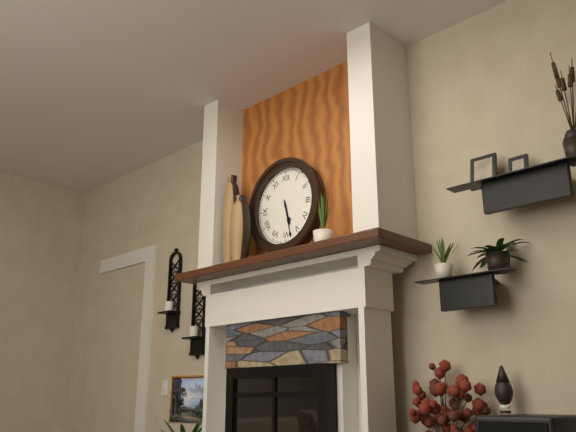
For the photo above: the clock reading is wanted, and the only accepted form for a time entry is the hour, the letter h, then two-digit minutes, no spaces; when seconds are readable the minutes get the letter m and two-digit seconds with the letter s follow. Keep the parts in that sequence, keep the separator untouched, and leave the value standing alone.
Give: 5h28
